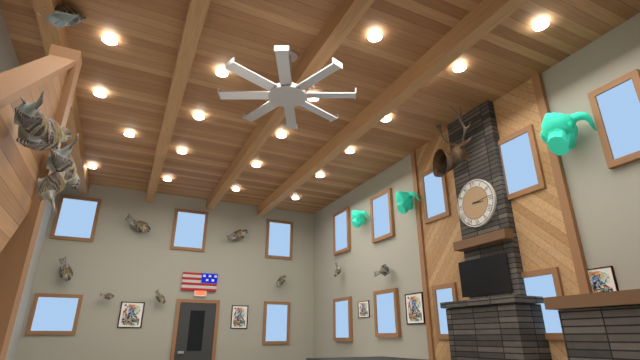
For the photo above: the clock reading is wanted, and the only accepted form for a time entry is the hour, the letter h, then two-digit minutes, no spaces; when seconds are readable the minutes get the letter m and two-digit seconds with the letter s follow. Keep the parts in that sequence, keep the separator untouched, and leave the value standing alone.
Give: 3h14
